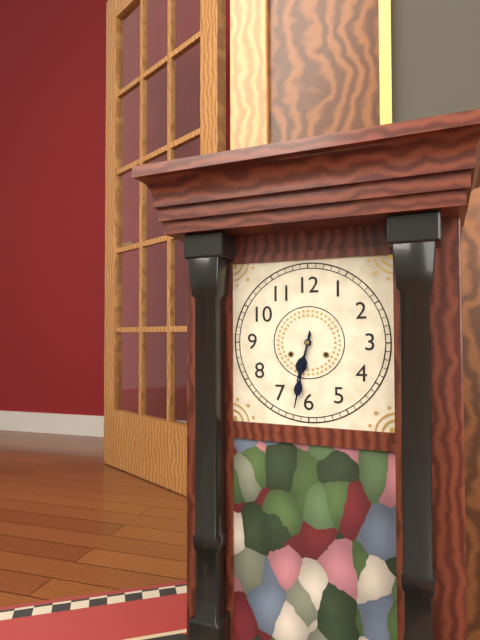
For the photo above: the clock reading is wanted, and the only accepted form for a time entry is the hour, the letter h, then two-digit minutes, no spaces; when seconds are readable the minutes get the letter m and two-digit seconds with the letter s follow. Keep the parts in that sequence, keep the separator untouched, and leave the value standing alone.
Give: 6h32
